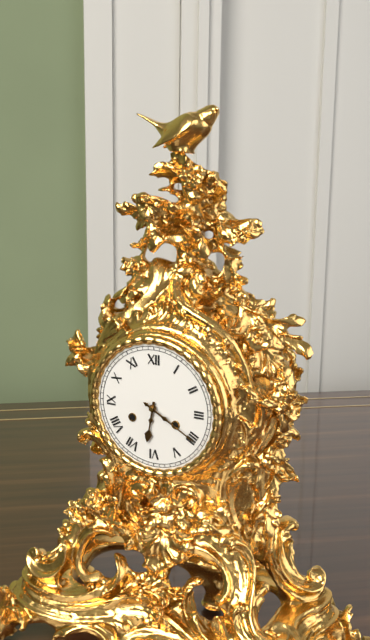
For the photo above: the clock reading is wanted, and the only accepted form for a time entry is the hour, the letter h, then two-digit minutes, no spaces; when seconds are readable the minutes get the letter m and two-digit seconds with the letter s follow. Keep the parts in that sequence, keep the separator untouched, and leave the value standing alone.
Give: 6h20
